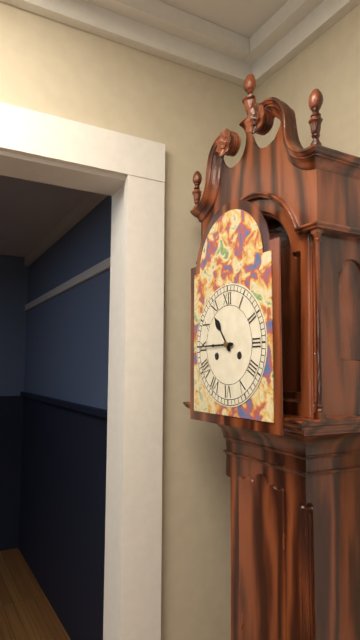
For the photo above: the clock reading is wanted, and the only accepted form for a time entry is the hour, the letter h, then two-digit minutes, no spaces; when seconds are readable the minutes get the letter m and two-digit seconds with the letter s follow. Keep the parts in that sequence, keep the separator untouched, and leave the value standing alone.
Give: 10h45
